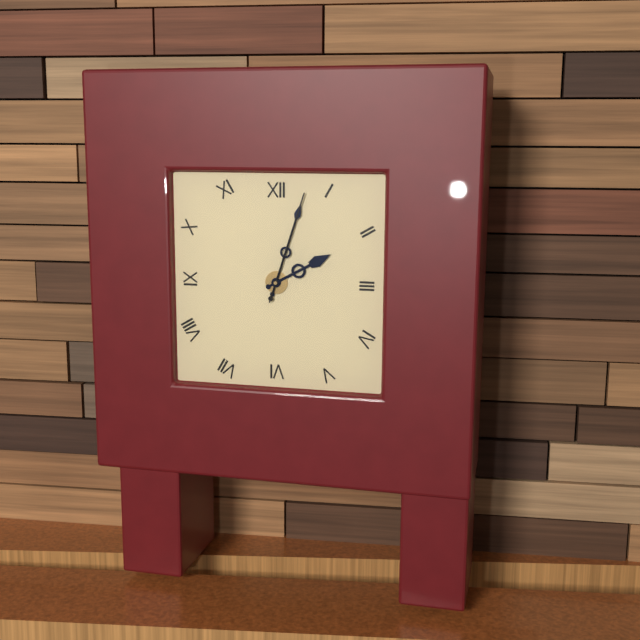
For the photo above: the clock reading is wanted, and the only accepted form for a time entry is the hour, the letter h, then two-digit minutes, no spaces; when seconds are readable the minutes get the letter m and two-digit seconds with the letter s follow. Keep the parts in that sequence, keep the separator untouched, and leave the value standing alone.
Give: 2h03m03s
